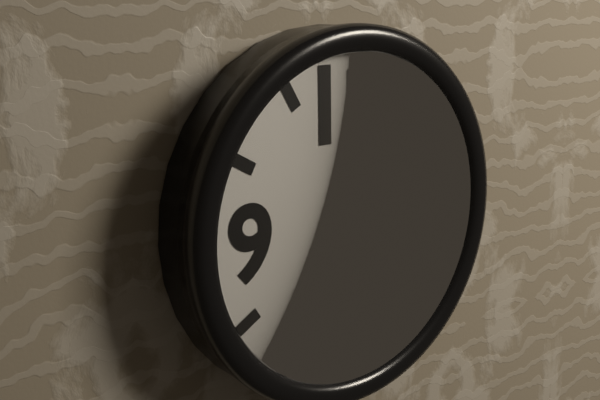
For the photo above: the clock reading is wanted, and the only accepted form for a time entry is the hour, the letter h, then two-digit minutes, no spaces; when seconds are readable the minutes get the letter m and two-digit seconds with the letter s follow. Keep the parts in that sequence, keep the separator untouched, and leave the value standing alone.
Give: 1h24m02s
